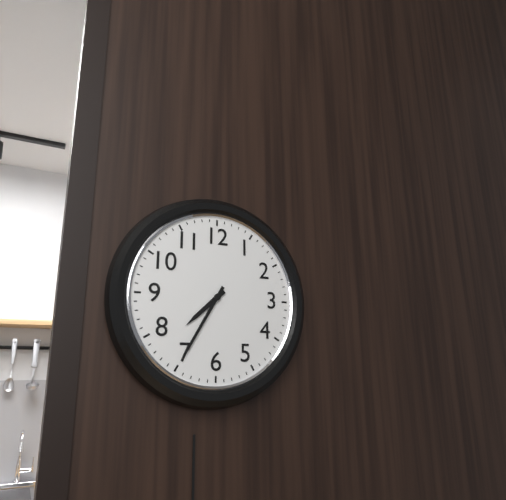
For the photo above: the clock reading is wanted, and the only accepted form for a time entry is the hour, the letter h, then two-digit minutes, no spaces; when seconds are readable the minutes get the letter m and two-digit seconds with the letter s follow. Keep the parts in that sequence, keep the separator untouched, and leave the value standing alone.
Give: 7h35
